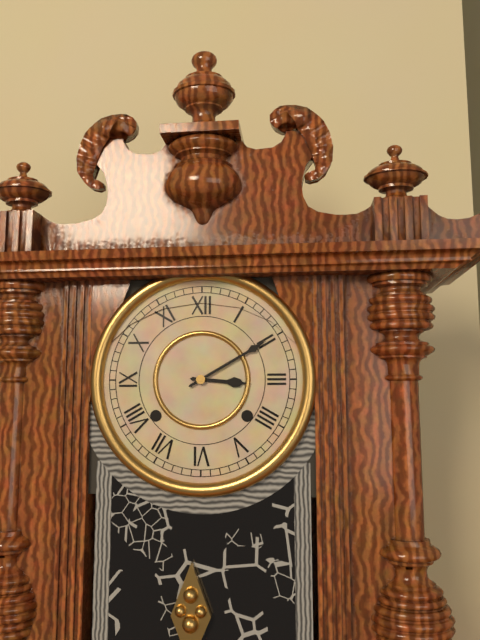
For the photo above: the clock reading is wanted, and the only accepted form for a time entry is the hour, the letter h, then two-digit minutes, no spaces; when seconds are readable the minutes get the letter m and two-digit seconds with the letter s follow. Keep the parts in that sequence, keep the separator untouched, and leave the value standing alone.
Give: 3h10
